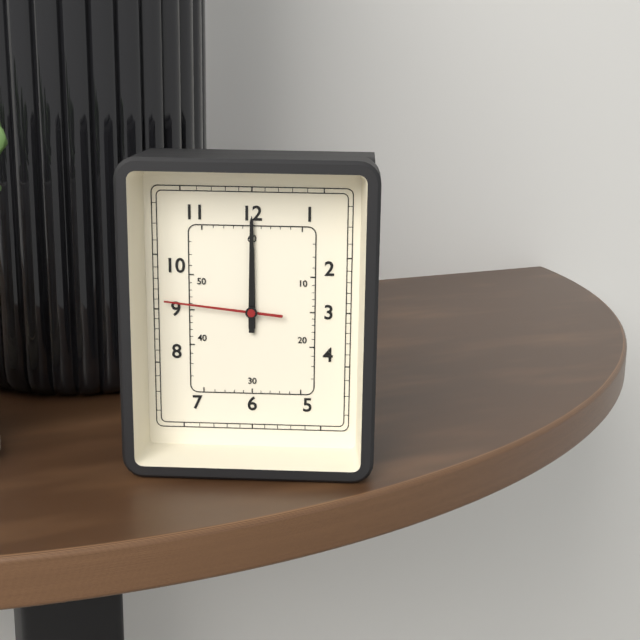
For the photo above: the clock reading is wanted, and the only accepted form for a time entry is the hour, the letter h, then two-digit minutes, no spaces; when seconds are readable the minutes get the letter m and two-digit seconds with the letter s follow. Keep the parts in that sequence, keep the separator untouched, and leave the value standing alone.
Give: 12h00m46s
